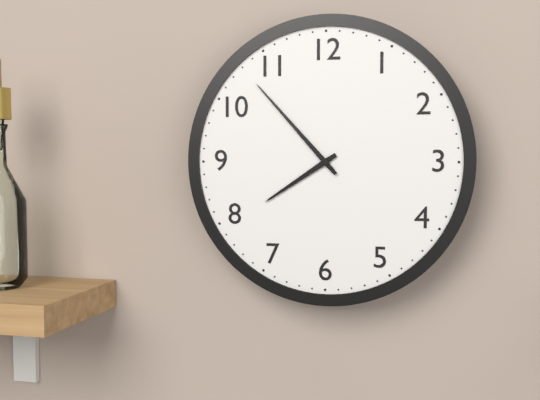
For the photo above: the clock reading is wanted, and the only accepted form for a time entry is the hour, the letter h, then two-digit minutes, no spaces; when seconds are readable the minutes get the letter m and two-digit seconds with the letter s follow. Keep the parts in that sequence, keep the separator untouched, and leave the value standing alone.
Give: 7h53
